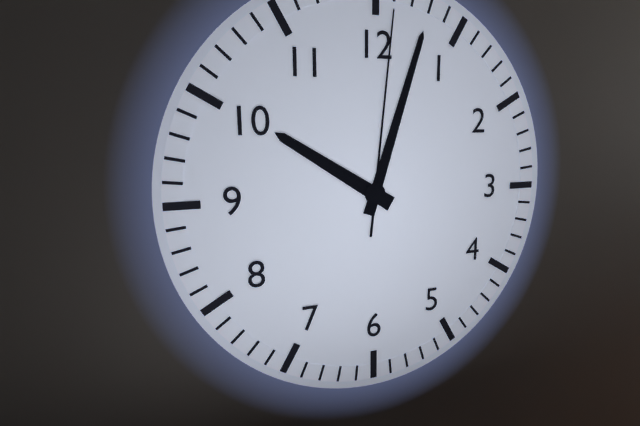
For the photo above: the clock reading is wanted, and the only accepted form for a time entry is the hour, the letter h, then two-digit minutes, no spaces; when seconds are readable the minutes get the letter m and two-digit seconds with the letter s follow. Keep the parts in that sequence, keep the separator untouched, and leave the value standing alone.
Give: 10h03m01s
